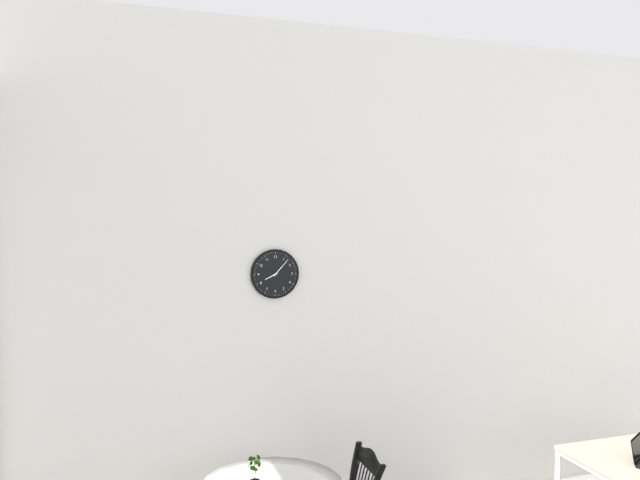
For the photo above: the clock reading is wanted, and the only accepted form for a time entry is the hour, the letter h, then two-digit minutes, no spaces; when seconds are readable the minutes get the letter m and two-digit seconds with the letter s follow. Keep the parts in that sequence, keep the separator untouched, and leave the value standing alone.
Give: 8h07
